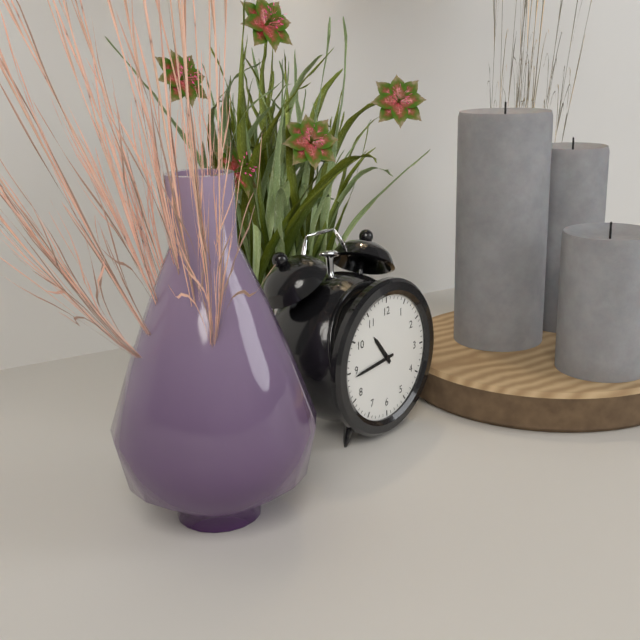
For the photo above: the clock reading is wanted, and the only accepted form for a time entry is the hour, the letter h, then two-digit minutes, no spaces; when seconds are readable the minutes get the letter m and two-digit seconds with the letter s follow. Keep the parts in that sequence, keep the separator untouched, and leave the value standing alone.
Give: 10h44
